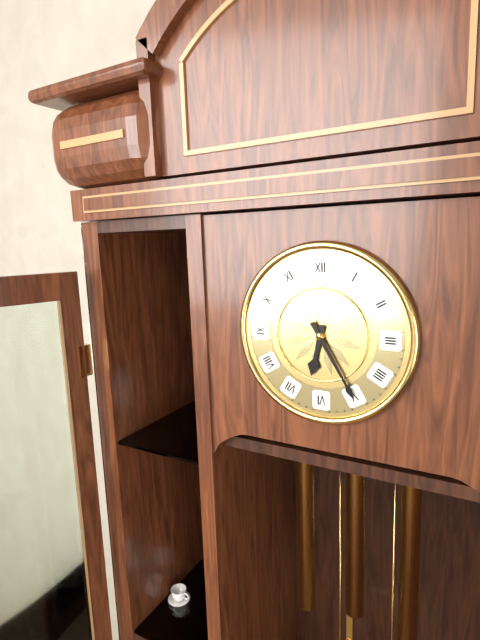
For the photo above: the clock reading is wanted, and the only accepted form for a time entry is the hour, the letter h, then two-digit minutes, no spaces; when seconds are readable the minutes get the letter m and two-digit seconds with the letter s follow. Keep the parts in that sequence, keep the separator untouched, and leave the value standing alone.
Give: 6h25
